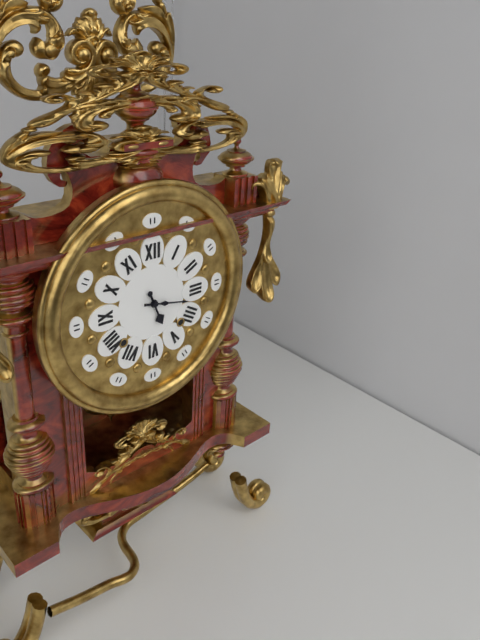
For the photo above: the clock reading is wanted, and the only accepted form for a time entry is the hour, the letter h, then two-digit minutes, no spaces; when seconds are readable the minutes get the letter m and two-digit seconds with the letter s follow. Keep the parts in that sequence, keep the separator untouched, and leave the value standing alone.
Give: 5h17
